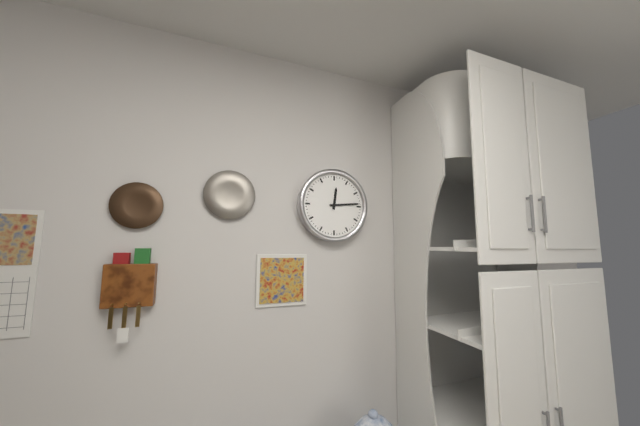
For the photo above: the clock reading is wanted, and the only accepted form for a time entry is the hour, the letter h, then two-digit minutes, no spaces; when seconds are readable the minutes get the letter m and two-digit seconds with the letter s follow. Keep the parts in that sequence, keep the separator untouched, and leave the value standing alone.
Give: 12h14
